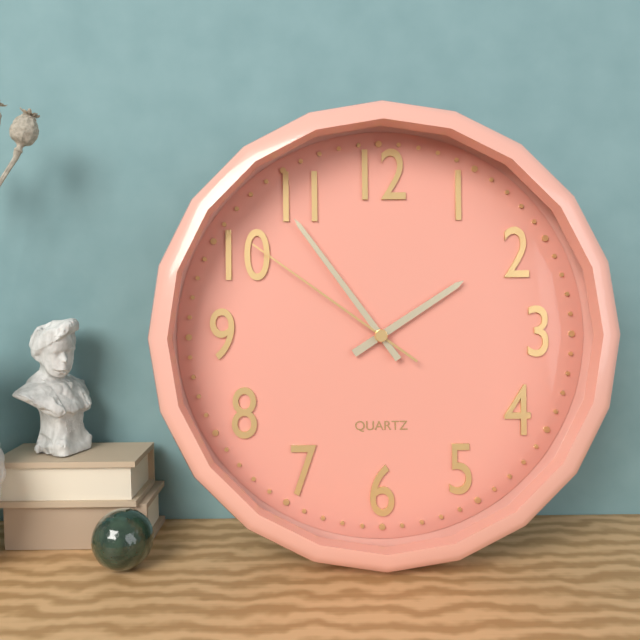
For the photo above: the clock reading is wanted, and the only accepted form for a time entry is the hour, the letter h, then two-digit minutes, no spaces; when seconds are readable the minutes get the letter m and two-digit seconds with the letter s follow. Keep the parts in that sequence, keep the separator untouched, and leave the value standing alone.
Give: 1h54m51s
